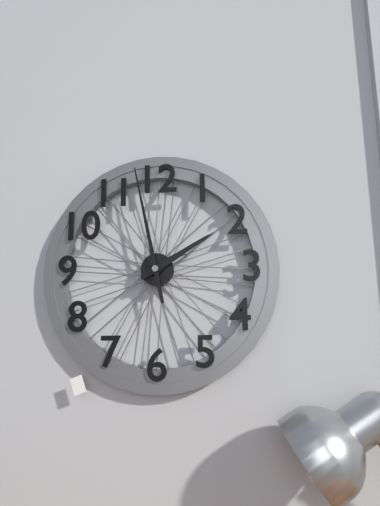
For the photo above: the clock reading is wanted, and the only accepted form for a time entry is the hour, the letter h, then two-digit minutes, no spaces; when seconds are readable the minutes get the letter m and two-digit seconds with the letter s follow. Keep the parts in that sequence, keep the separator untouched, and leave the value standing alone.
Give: 1h58
